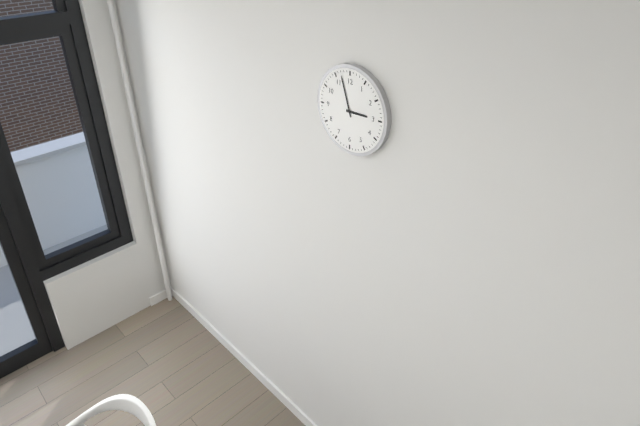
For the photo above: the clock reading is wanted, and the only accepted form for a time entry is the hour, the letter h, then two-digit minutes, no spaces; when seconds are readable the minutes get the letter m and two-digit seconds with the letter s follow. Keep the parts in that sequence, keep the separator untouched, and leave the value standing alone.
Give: 2h57
